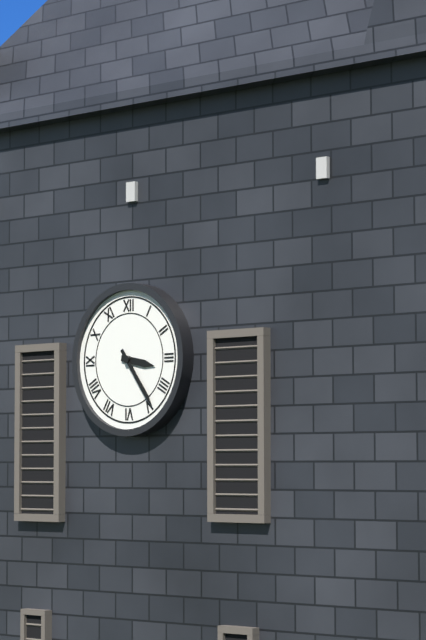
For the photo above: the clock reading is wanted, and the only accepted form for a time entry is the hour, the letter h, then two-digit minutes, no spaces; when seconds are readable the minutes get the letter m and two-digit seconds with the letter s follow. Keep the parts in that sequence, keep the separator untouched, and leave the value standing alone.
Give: 3h24
